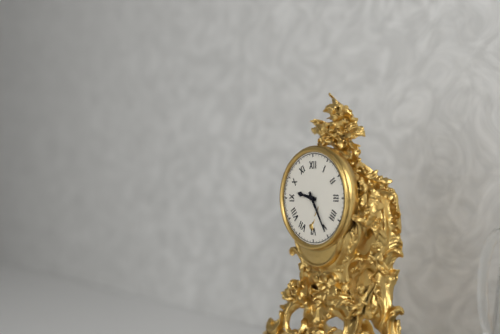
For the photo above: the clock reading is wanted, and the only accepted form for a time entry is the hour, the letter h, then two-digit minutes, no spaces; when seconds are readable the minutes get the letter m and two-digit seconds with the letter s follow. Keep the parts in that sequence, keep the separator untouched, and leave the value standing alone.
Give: 9h25
